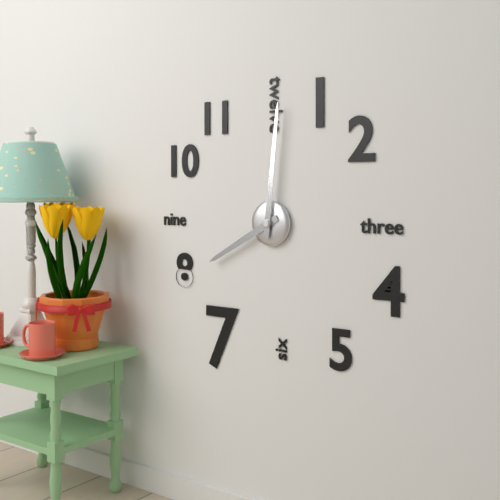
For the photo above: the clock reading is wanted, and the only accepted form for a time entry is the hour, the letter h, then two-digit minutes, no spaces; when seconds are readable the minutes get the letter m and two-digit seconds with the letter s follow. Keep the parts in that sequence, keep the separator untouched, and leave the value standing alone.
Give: 8h01
